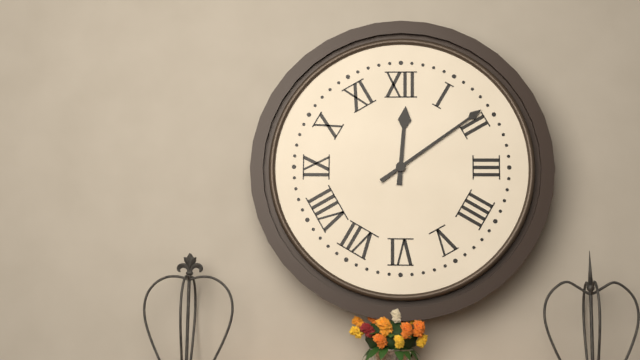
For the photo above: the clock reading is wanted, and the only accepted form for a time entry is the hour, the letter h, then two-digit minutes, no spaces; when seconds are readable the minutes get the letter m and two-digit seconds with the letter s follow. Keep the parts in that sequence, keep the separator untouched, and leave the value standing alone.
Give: 12h09
